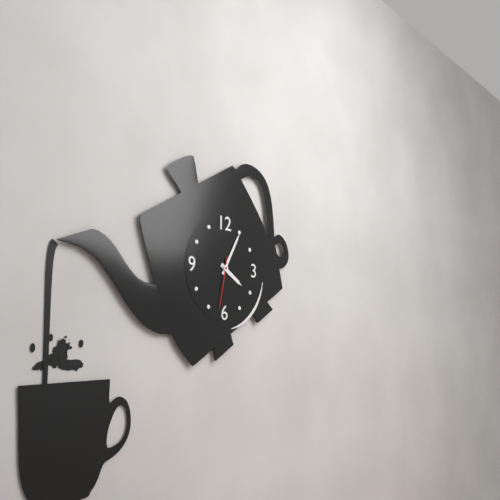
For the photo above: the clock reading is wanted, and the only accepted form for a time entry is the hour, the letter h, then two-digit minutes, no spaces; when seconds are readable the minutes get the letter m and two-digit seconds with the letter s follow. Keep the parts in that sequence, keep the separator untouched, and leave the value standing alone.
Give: 4h05m32s
